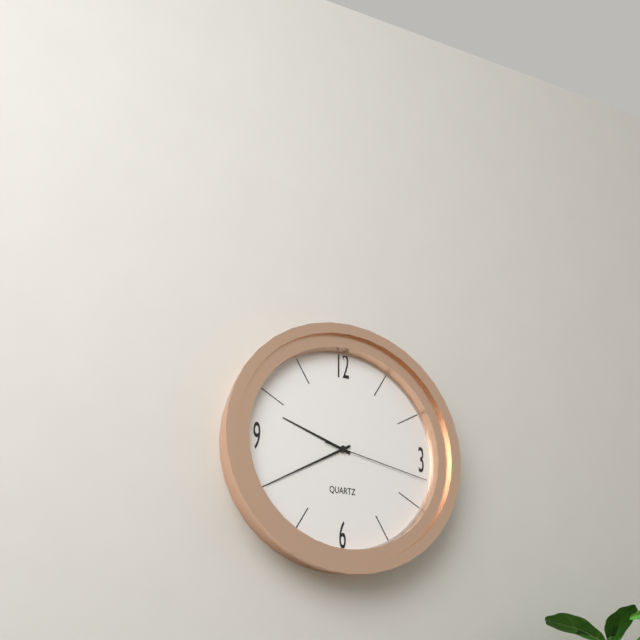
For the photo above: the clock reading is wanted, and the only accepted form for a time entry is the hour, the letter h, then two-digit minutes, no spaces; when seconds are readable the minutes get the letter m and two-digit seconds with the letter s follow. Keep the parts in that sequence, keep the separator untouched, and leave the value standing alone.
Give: 9h40m17s
